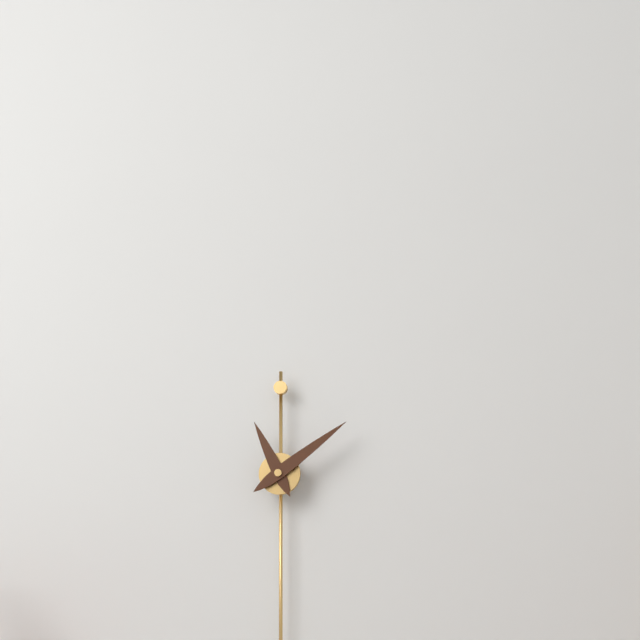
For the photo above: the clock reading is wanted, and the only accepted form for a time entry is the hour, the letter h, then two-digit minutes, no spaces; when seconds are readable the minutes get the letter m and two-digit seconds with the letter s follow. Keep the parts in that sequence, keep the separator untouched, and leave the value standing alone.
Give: 11h09
